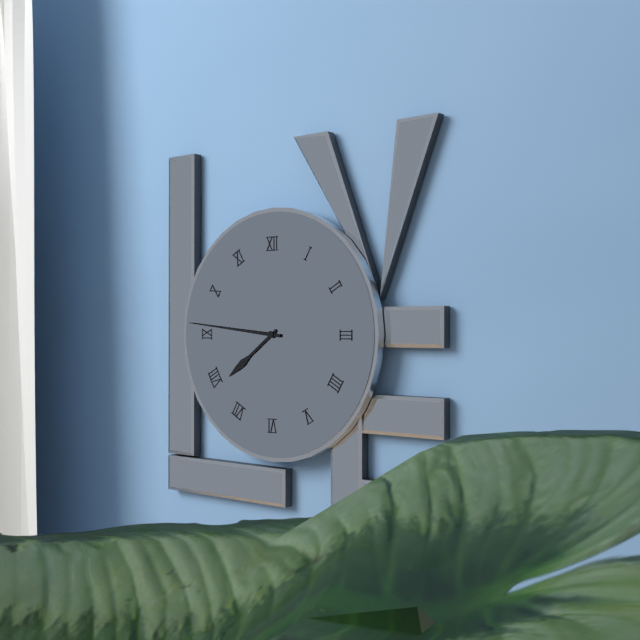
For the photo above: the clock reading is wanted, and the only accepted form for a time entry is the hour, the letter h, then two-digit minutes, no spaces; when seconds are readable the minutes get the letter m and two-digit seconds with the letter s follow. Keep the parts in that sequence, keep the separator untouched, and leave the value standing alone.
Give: 7h46
